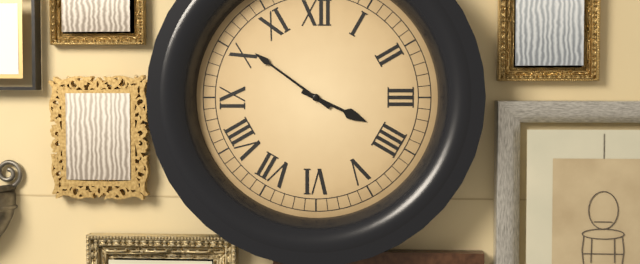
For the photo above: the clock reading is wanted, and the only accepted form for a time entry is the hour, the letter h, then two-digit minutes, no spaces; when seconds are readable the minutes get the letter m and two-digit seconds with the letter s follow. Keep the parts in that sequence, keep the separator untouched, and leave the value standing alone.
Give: 3h51
